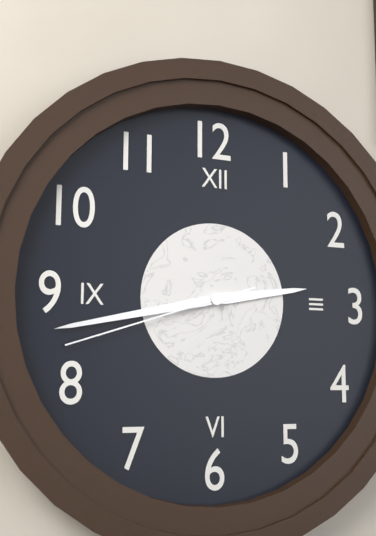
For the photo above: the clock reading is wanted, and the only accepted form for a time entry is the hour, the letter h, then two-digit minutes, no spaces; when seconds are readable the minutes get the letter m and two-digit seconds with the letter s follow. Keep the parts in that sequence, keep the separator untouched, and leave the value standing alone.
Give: 2h43m42s
